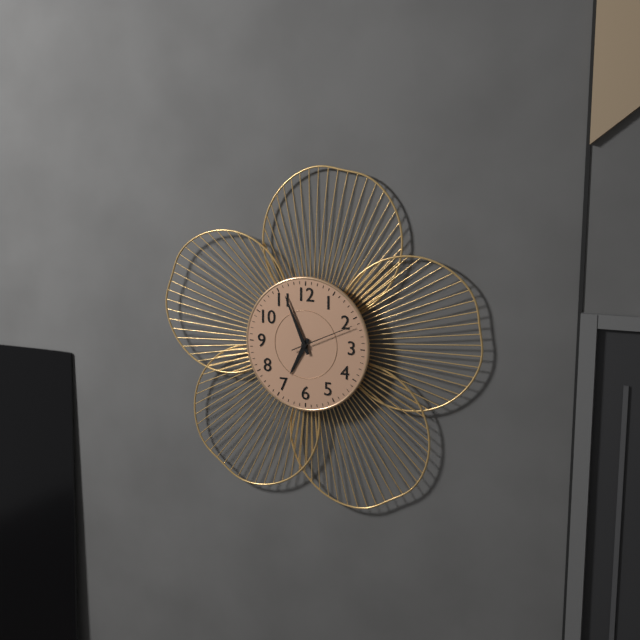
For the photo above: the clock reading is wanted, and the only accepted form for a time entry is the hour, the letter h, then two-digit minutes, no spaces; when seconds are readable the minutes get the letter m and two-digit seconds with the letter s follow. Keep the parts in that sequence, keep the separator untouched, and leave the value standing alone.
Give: 6h56m11s
